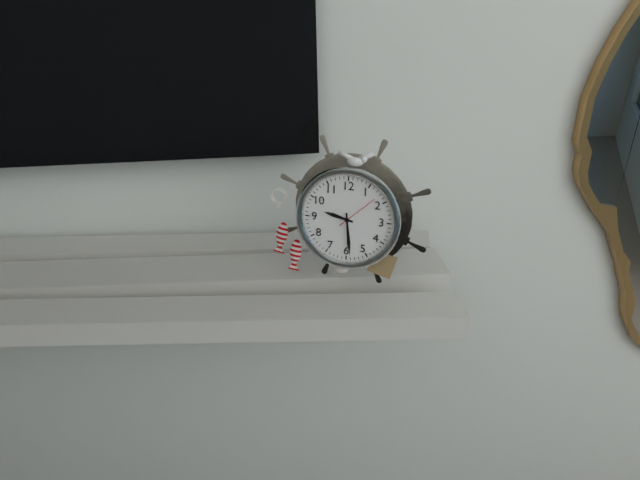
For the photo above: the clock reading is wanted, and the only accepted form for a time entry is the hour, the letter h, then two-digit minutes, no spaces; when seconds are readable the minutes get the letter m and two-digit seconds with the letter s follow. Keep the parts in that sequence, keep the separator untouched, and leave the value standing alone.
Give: 9h29
